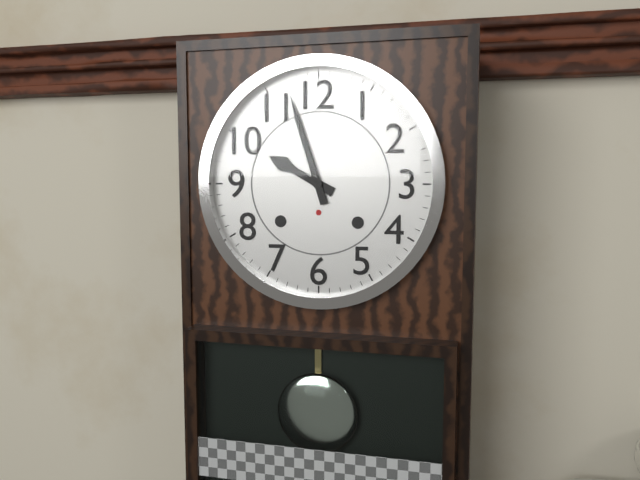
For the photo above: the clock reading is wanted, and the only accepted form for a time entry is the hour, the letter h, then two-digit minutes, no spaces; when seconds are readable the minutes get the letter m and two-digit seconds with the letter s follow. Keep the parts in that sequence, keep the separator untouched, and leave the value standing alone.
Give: 9h57
